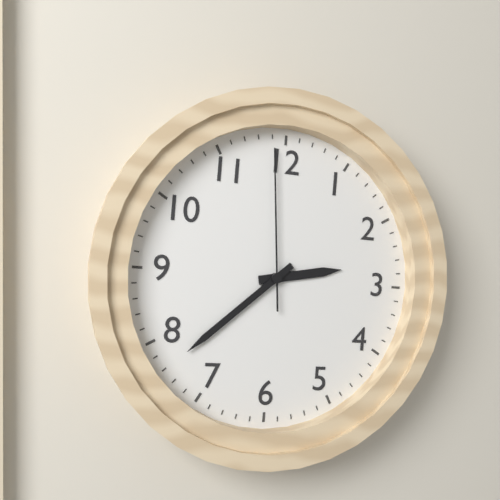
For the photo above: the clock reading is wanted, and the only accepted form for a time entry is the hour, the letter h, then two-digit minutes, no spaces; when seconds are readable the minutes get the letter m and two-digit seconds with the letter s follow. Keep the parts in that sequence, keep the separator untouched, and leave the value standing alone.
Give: 2h38m59s
